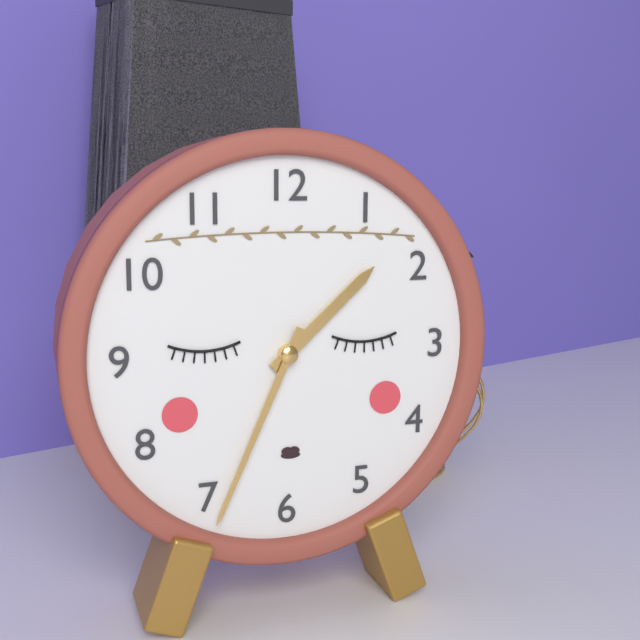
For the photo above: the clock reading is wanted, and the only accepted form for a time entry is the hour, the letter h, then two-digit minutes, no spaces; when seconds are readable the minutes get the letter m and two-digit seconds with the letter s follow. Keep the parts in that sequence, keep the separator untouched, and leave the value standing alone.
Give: 1h34
